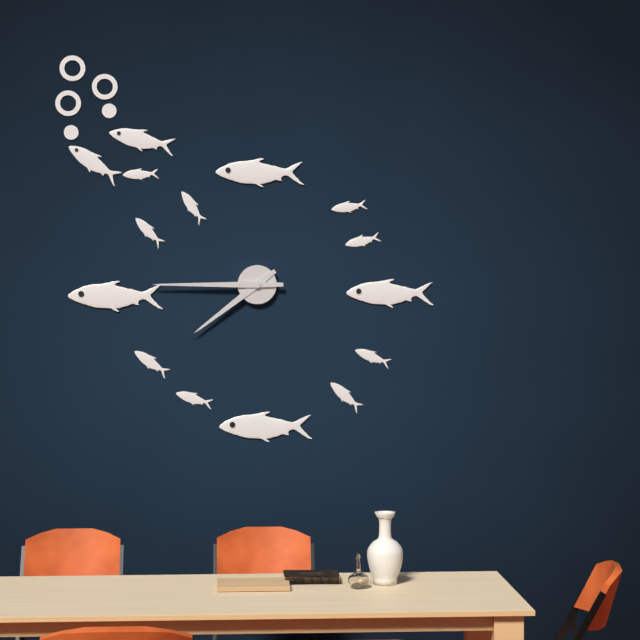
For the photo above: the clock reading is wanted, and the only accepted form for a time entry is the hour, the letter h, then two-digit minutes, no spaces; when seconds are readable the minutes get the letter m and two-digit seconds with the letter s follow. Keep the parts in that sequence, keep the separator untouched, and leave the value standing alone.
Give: 7h45
